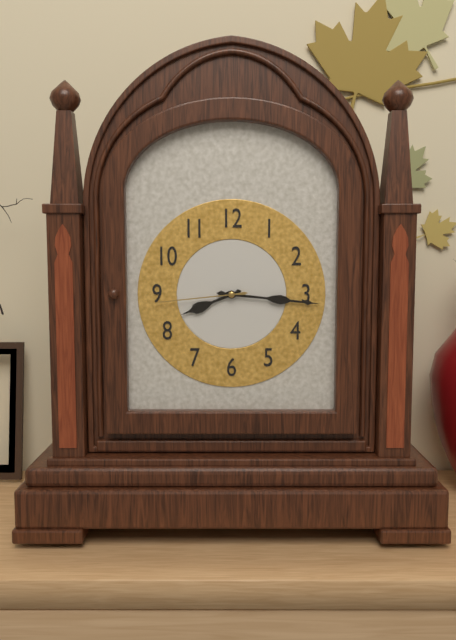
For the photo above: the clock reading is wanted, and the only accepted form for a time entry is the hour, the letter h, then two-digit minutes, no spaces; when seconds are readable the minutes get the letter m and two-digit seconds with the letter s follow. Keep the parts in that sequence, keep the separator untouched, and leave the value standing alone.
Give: 8h16m44s
